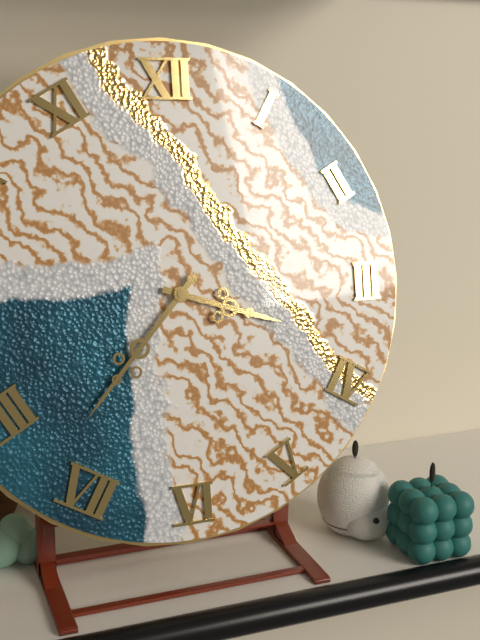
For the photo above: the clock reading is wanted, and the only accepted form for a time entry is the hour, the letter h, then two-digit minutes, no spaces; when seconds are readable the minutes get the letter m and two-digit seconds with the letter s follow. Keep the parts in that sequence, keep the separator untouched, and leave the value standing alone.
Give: 3h37
